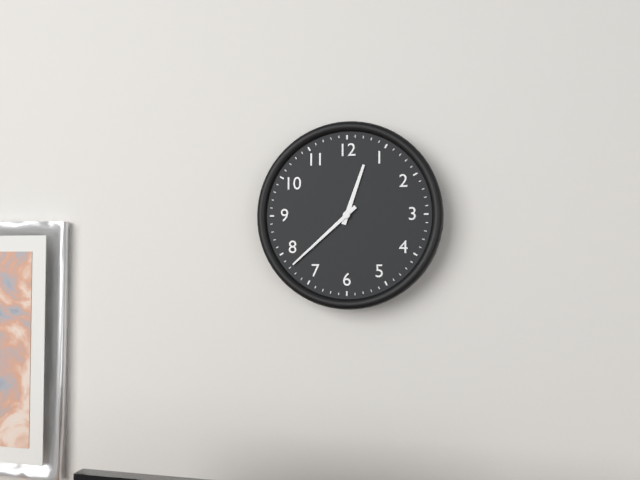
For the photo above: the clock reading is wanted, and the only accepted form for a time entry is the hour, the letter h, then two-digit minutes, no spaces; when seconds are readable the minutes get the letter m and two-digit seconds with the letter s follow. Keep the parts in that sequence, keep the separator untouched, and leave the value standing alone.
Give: 12h38
